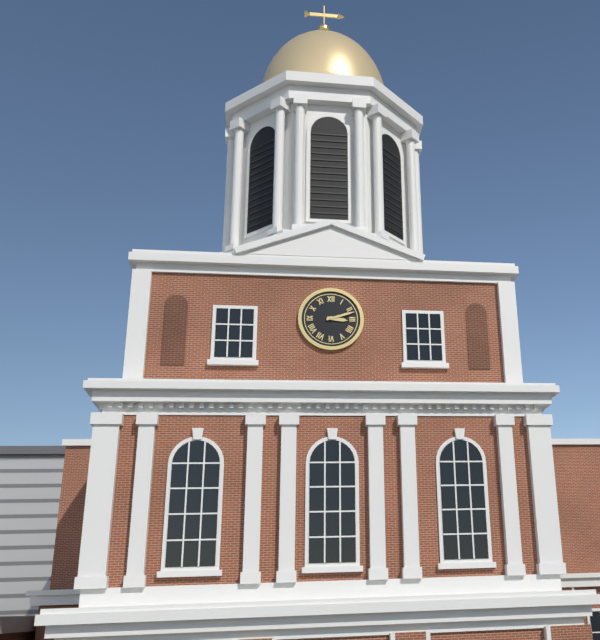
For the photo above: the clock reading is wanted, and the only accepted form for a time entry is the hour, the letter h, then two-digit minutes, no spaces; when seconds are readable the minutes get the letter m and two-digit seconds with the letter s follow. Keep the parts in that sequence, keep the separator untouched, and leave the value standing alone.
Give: 3h12
